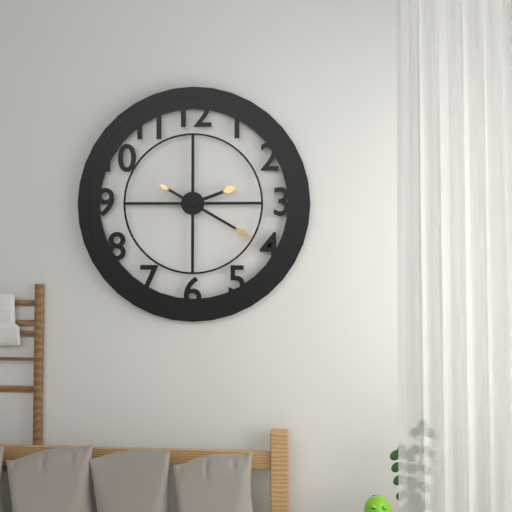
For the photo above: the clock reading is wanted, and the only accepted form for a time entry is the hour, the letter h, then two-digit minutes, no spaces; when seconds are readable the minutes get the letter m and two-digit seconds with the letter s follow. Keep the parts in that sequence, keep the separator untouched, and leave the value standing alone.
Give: 2h20
